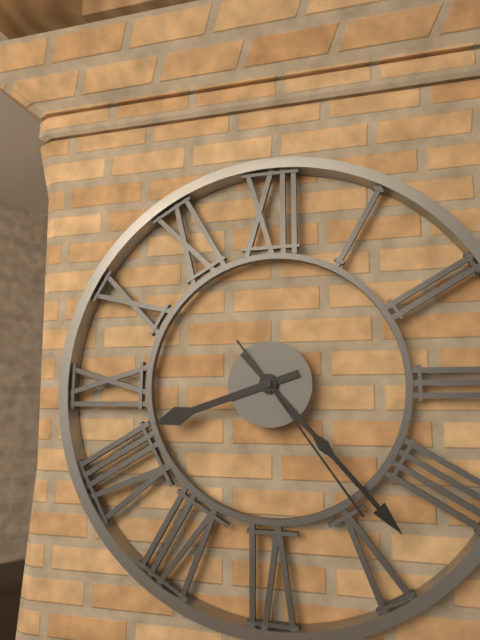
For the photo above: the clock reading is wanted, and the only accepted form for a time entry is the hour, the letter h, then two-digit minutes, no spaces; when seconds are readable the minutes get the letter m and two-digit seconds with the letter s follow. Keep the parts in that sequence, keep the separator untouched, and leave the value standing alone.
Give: 8h23m24s
